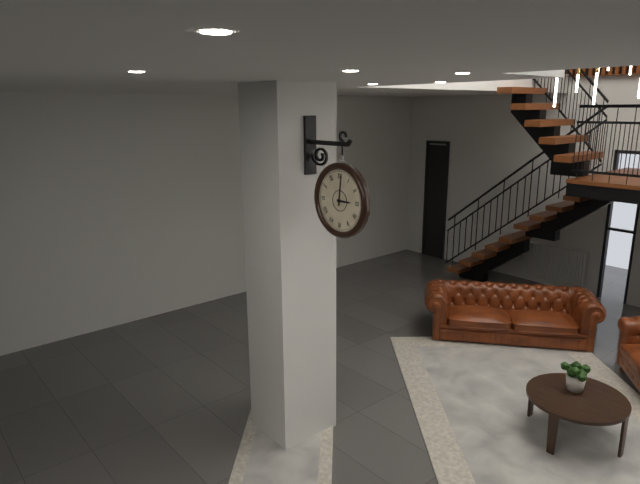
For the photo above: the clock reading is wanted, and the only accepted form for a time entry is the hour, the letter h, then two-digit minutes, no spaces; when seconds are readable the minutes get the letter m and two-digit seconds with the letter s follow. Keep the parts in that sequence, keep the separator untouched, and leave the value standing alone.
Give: 3h01
